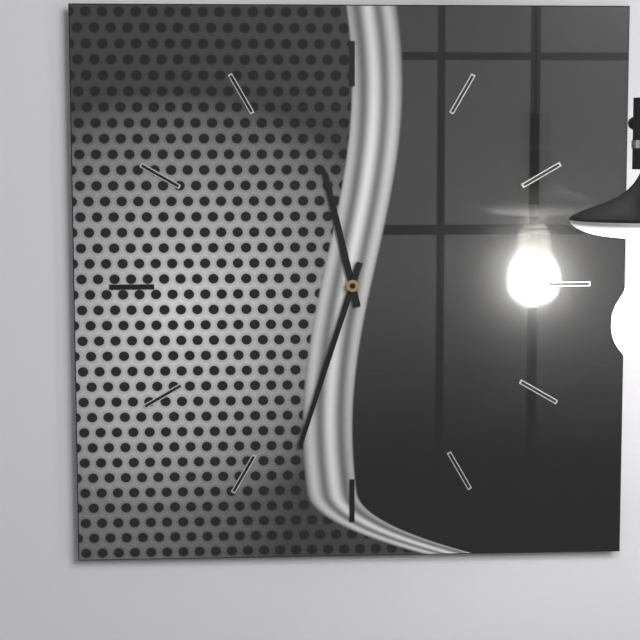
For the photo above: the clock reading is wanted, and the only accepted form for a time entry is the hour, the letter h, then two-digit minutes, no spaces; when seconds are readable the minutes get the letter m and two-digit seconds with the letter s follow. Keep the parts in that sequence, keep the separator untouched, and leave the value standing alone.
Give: 11h33
